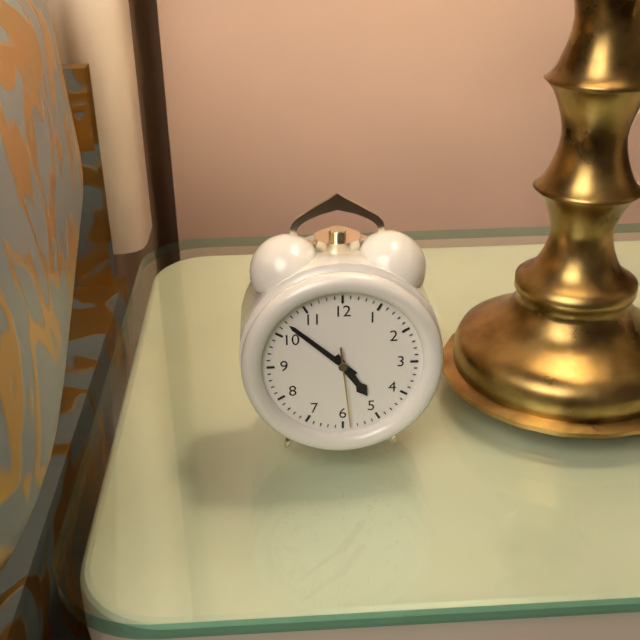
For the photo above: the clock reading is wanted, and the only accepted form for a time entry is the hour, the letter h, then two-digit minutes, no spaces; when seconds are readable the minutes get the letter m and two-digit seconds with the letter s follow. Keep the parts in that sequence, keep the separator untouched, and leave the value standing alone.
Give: 4h52m29s
